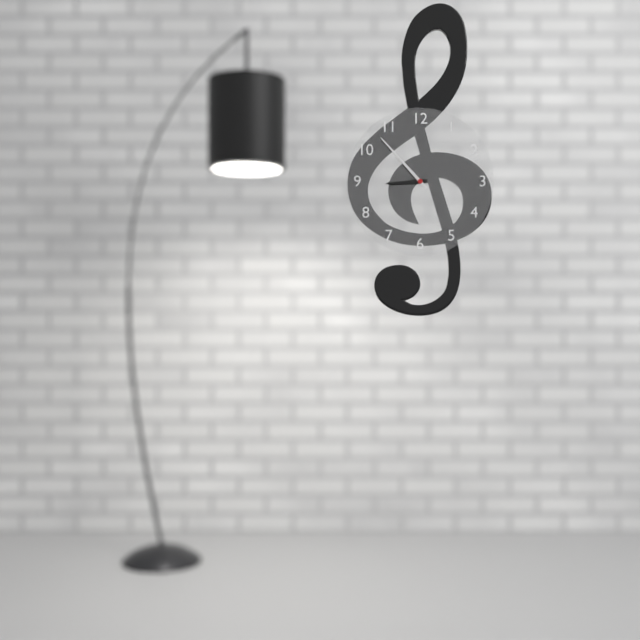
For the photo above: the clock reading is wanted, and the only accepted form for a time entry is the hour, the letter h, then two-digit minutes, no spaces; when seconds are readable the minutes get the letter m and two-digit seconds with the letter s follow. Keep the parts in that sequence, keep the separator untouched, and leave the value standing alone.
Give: 8h53
